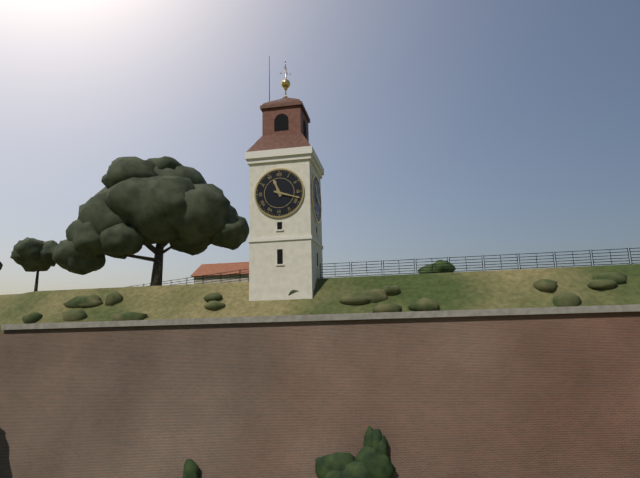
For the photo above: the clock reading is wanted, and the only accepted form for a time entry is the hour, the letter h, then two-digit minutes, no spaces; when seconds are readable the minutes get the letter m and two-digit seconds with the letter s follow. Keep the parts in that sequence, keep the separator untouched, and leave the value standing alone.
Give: 11h18
